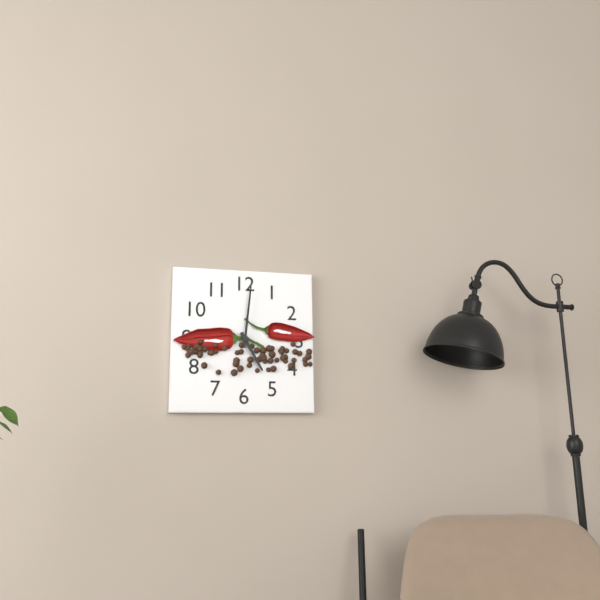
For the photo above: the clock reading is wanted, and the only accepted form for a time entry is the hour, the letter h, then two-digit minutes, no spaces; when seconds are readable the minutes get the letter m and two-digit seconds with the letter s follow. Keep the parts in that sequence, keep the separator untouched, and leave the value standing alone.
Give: 5h01
